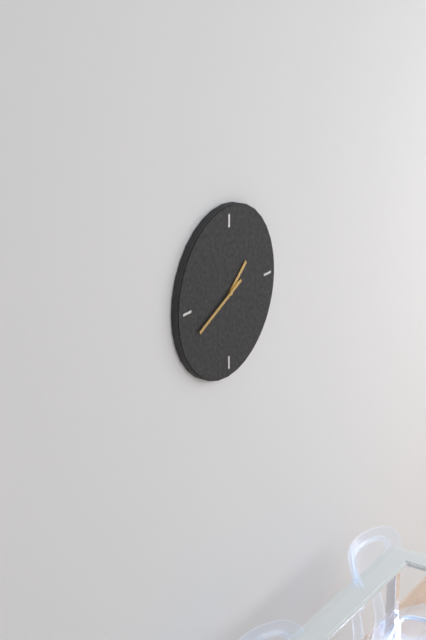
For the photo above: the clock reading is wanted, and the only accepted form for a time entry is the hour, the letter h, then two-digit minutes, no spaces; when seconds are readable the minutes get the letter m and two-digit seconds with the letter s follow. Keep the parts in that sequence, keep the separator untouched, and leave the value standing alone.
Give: 1h41
